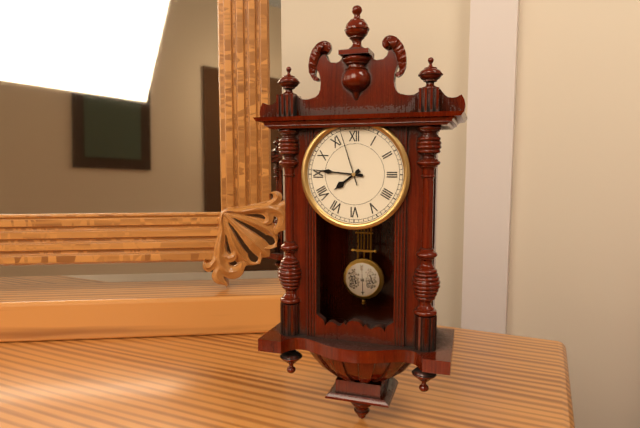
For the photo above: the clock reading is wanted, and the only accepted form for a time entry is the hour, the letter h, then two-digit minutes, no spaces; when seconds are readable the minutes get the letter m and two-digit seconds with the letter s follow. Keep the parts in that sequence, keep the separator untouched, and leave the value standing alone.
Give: 7h46m57s
